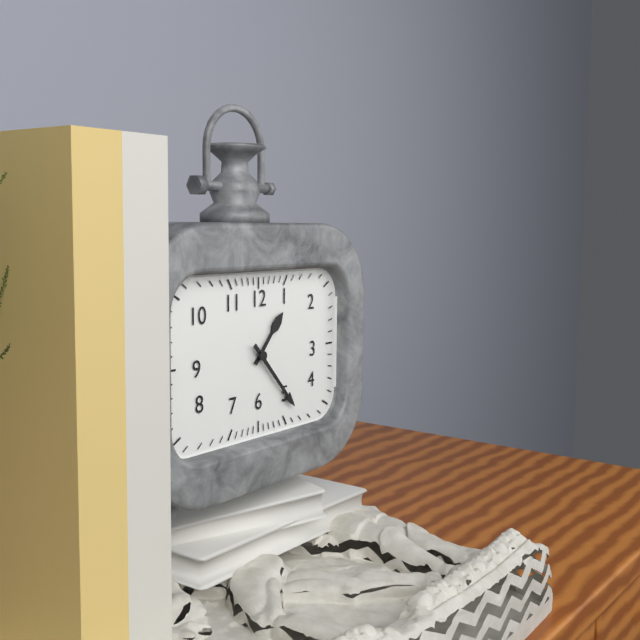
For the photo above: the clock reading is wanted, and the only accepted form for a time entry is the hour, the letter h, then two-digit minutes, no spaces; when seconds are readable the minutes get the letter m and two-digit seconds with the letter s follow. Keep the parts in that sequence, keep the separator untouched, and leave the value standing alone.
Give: 1h23
